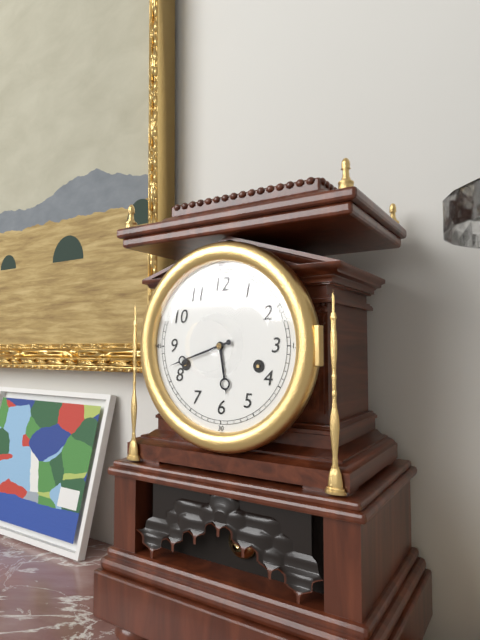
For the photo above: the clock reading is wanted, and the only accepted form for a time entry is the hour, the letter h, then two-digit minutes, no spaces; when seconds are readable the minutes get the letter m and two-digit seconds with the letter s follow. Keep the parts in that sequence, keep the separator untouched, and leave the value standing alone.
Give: 5h42
